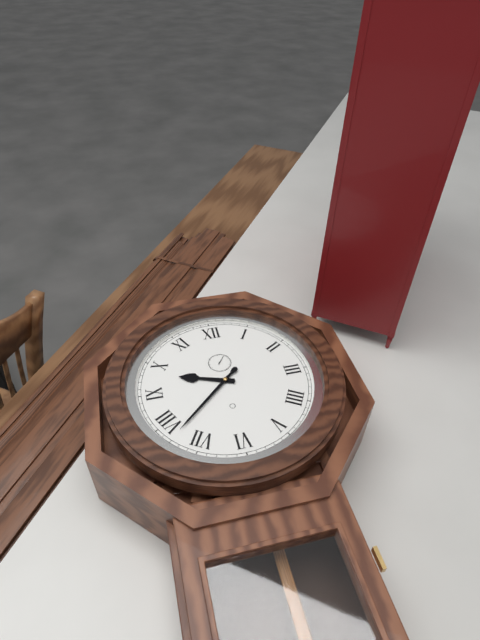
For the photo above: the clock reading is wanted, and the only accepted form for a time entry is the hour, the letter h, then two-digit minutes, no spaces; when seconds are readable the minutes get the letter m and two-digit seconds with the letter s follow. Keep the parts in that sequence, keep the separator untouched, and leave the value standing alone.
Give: 9h38
